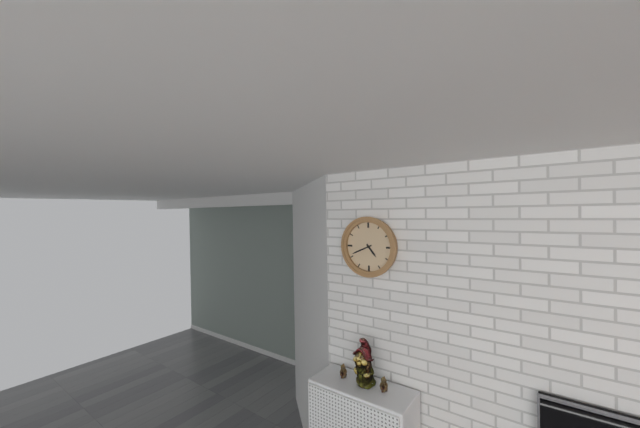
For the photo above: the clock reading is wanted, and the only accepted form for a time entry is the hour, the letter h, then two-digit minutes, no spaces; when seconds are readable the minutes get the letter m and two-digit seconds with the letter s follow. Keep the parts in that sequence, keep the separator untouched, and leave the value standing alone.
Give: 4h41
